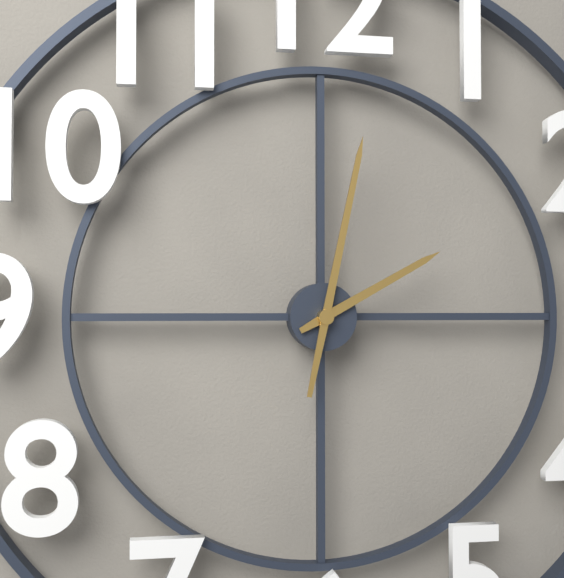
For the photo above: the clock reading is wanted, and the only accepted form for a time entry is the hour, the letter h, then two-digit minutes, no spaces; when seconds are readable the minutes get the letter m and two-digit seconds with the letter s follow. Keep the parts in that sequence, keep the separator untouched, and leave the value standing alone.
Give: 2h02
